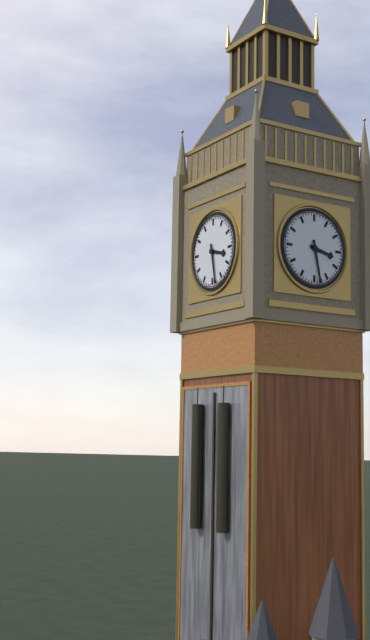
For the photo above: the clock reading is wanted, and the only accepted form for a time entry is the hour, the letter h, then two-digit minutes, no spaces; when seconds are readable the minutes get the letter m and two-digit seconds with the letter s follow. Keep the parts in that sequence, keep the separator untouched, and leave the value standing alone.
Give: 3h28
